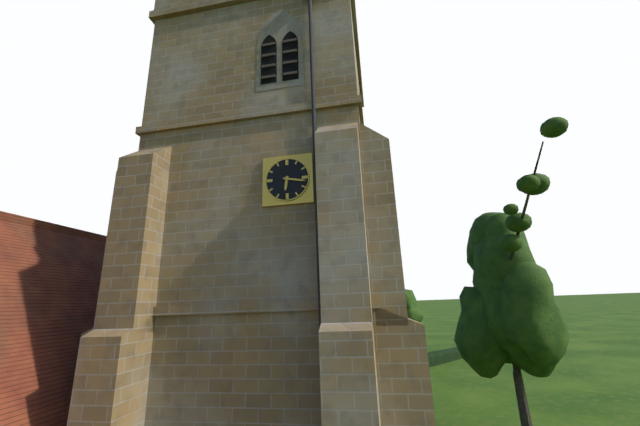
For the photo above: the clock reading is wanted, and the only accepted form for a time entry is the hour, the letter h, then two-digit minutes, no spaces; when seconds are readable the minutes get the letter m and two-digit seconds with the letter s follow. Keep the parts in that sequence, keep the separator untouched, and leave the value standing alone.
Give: 6h17
